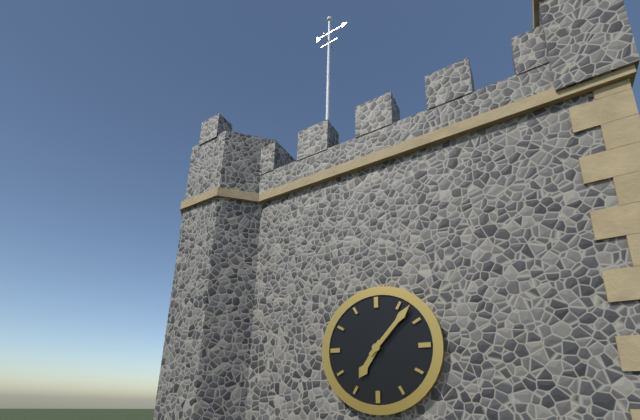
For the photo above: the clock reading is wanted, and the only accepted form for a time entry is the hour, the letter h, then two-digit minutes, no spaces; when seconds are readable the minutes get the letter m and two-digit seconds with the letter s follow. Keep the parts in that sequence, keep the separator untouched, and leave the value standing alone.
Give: 7h07
